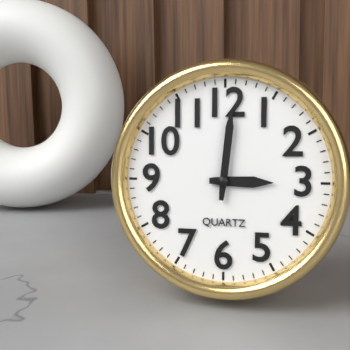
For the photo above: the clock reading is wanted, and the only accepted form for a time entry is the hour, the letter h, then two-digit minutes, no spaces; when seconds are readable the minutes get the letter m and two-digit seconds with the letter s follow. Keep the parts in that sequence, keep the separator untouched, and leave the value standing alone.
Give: 3h01
